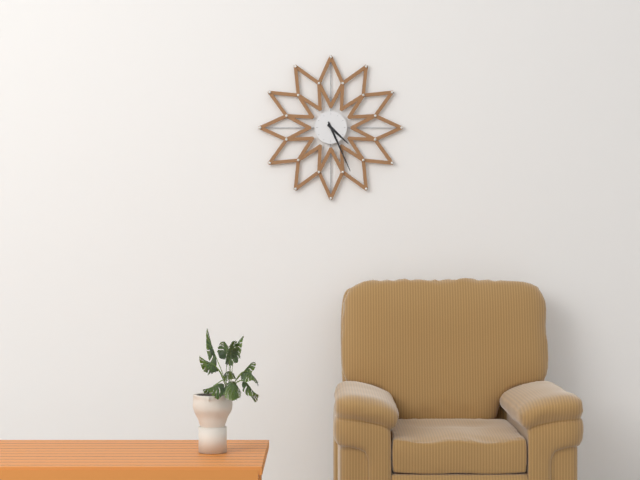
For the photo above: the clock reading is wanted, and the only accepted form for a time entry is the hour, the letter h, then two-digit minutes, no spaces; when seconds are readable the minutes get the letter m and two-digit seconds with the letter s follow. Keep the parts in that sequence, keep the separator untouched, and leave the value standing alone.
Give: 4h26
